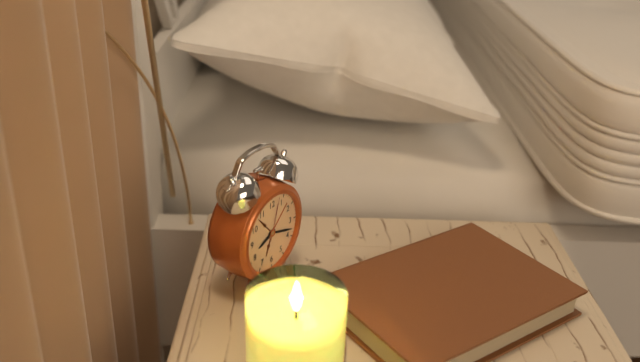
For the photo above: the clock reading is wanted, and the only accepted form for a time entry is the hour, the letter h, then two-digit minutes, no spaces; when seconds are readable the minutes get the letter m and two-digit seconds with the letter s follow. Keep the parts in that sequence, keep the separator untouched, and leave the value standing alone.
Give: 8h18
